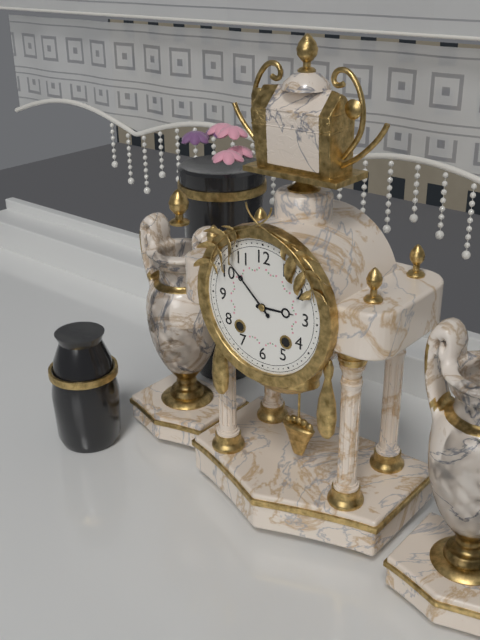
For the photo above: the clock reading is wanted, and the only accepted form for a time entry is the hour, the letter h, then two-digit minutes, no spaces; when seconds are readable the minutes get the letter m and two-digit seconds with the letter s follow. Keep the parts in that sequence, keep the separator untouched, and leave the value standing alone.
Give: 2h52
